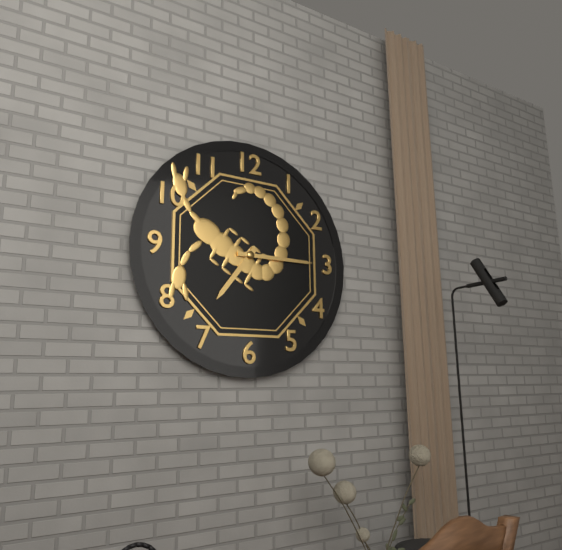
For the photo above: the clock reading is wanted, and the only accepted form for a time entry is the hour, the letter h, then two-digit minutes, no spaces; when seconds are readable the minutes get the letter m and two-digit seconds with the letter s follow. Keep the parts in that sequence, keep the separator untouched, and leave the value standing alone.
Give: 7h15
